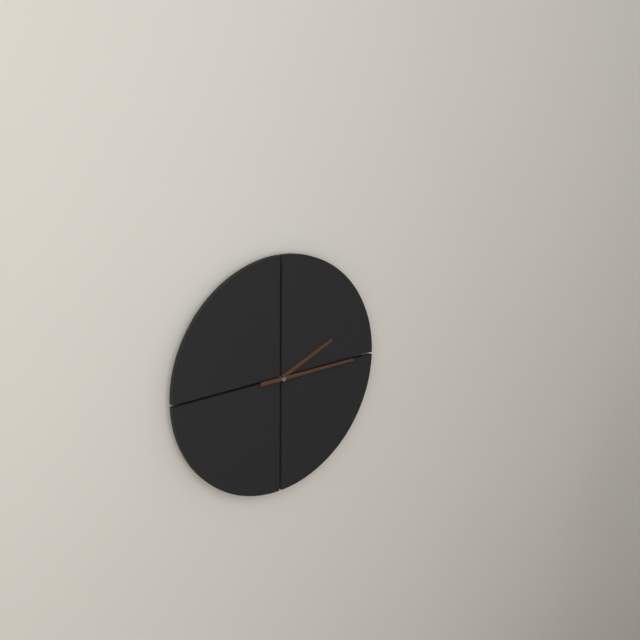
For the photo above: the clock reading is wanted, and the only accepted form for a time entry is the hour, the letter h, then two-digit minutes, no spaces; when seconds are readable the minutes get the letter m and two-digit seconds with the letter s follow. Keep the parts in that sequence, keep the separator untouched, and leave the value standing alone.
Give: 2h15
